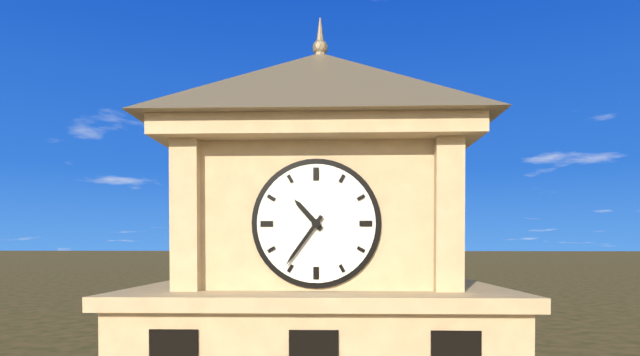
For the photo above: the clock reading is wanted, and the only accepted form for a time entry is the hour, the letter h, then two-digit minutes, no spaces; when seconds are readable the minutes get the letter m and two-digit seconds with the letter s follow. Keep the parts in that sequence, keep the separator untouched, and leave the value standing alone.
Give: 10h36
